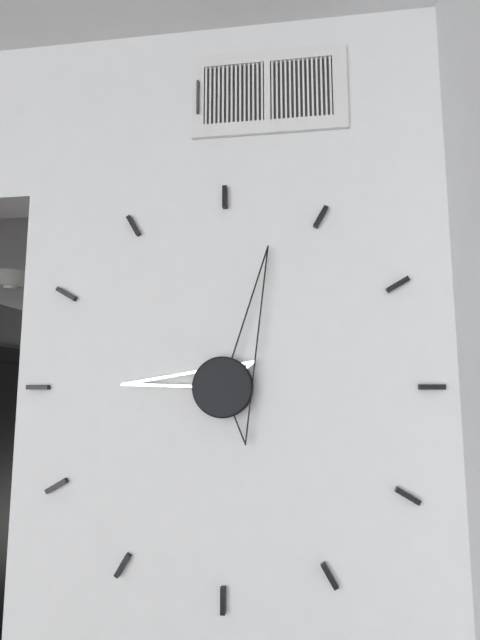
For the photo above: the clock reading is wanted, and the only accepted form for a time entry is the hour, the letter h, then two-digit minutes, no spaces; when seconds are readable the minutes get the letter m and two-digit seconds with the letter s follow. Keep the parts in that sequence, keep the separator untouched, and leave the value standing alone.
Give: 9h03
